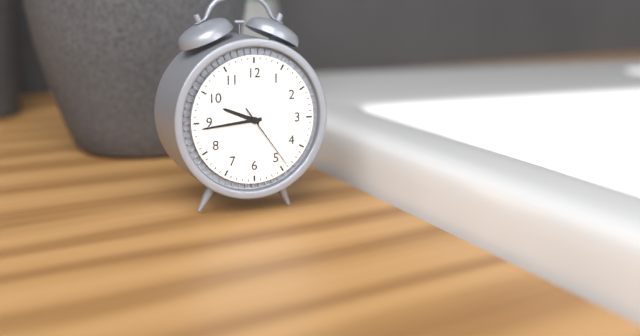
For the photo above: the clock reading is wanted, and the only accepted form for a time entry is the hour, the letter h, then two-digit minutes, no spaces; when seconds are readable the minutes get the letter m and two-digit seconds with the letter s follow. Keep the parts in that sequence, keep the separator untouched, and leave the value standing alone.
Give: 9h44m24s
